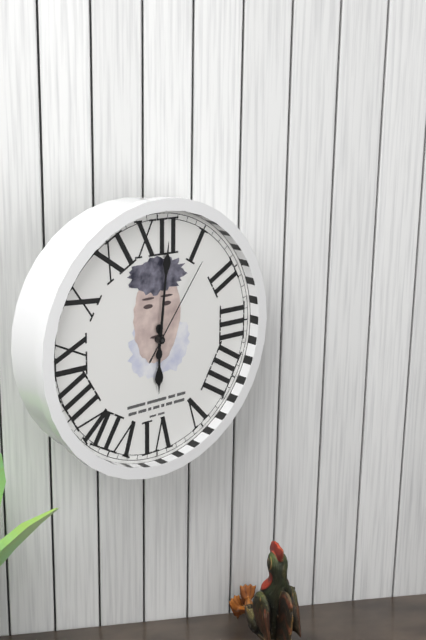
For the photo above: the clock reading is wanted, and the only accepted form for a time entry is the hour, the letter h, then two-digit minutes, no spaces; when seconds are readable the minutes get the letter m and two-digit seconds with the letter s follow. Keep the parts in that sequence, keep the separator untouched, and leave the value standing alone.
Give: 6h01m06s
